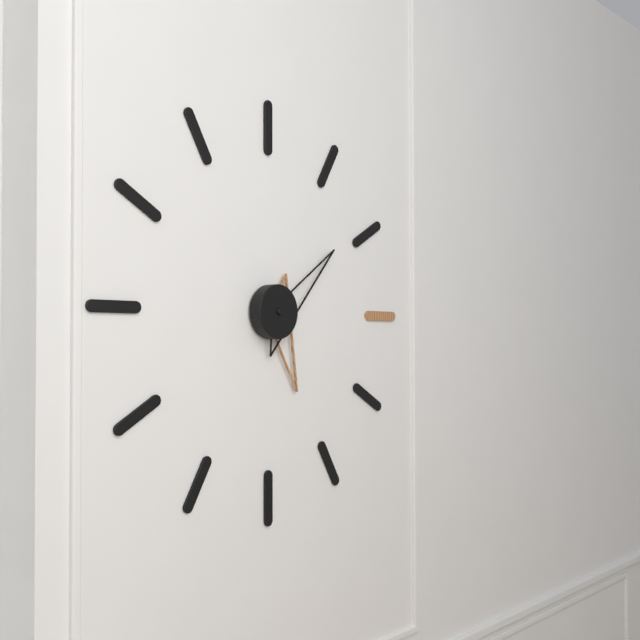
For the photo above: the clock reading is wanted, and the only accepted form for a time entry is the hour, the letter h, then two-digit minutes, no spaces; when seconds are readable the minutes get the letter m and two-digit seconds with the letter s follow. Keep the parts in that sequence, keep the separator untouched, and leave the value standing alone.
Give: 5h09
